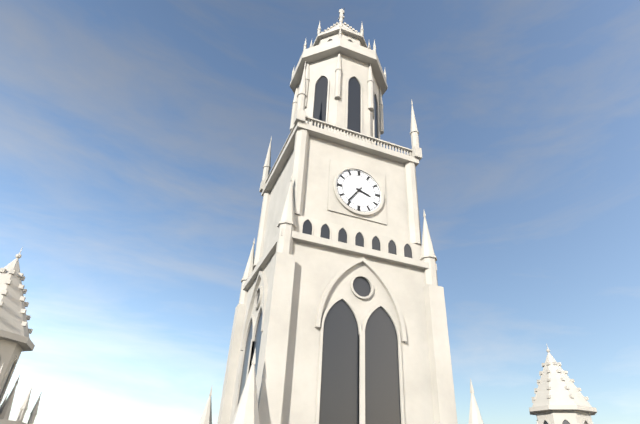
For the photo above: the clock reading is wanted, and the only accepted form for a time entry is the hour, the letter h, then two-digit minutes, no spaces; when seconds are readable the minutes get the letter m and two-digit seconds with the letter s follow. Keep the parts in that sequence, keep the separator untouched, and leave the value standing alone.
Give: 3h36
